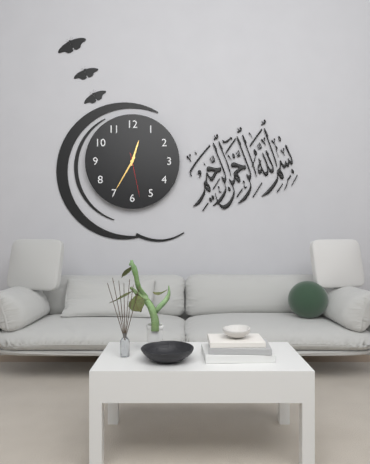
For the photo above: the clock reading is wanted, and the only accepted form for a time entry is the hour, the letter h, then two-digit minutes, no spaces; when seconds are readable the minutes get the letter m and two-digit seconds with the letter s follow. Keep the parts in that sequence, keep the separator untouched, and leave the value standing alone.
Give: 12h35
